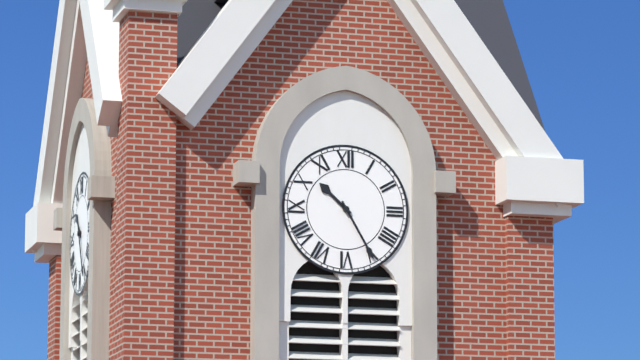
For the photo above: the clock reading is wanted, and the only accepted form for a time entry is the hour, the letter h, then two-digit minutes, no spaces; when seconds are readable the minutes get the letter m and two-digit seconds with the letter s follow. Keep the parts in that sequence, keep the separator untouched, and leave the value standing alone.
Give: 10h25
